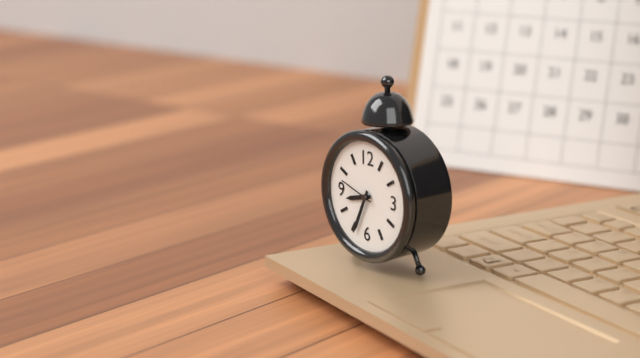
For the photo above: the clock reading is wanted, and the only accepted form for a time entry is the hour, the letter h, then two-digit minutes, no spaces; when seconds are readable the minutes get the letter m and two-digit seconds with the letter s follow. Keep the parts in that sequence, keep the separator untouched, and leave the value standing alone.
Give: 8h34m48s
